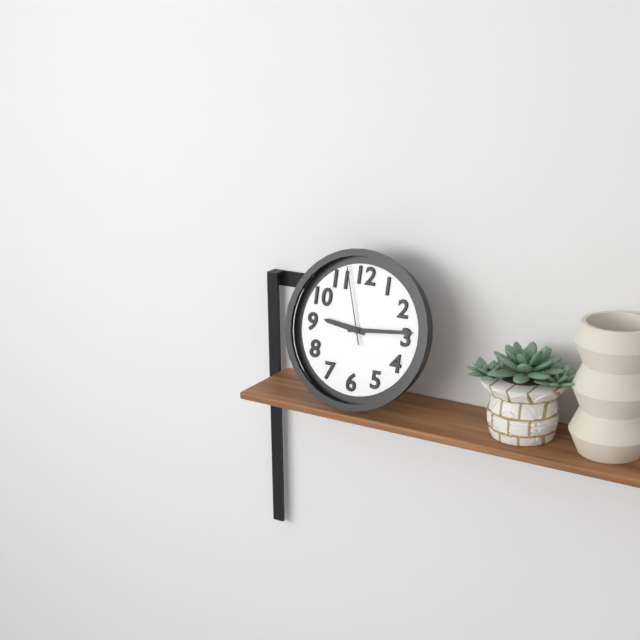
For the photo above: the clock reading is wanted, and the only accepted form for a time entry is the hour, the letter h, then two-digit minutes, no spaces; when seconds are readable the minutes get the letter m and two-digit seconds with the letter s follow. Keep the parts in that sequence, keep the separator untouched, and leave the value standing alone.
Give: 9h14m57s
